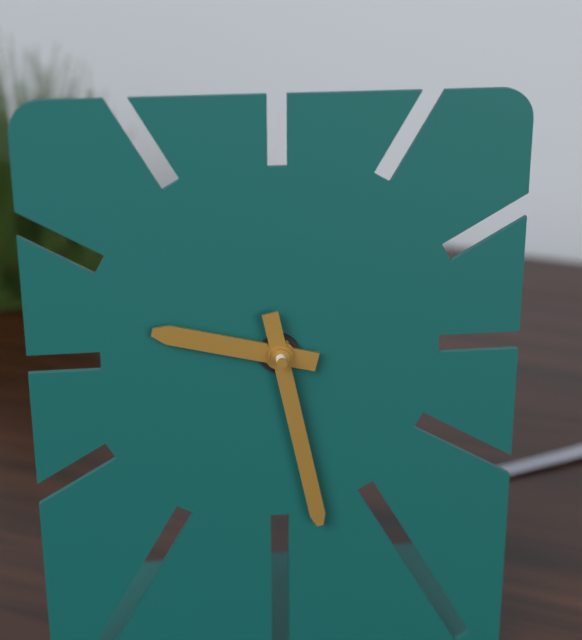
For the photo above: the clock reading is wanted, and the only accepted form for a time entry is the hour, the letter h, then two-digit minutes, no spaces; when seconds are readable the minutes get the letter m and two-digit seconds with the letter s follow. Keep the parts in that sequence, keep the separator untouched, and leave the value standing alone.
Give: 9h28
